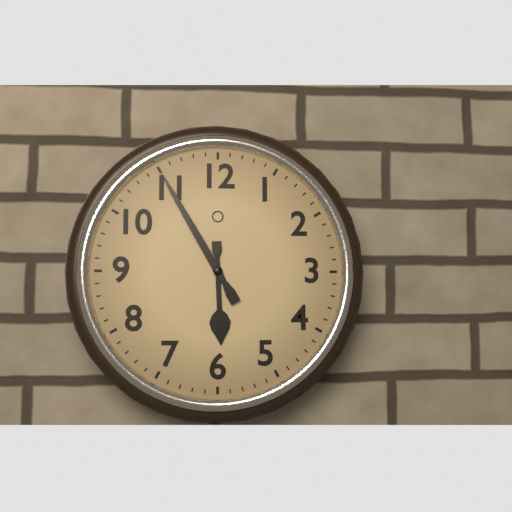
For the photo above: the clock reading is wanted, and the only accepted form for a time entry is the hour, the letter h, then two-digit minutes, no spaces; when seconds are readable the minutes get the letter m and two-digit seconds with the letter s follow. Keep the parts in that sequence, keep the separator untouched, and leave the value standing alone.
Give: 5h55
